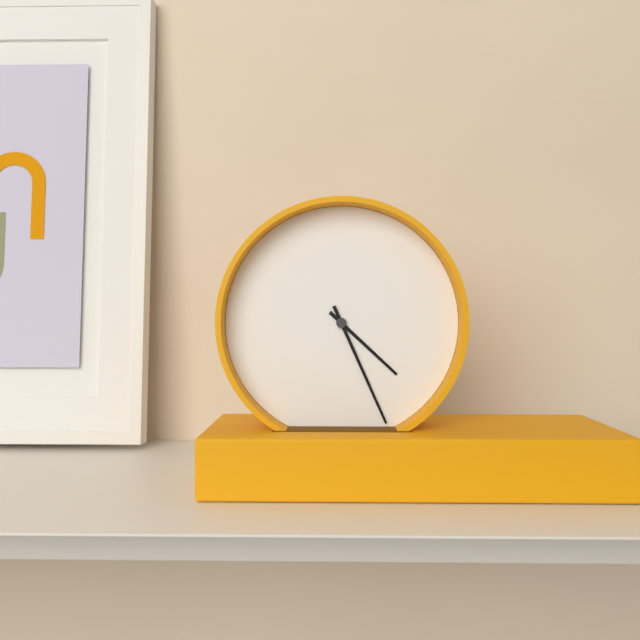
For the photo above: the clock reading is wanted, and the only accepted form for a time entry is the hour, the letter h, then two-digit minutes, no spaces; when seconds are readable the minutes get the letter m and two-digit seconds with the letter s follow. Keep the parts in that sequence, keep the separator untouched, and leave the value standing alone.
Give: 4h26
